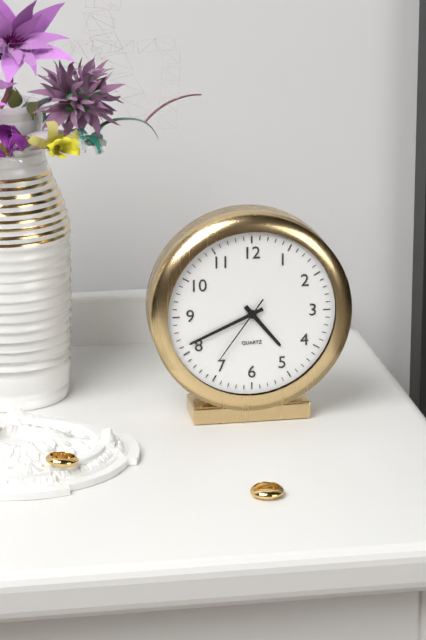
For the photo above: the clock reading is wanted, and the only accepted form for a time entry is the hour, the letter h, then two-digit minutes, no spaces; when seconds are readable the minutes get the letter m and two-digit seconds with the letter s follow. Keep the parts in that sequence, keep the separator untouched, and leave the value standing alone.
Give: 4h41m36s
